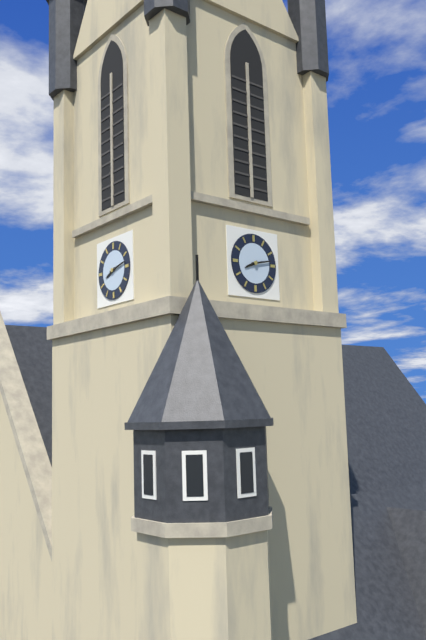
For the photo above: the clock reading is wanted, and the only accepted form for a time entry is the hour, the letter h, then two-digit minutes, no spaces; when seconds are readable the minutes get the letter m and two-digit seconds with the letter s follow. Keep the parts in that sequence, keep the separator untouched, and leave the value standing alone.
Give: 8h13
